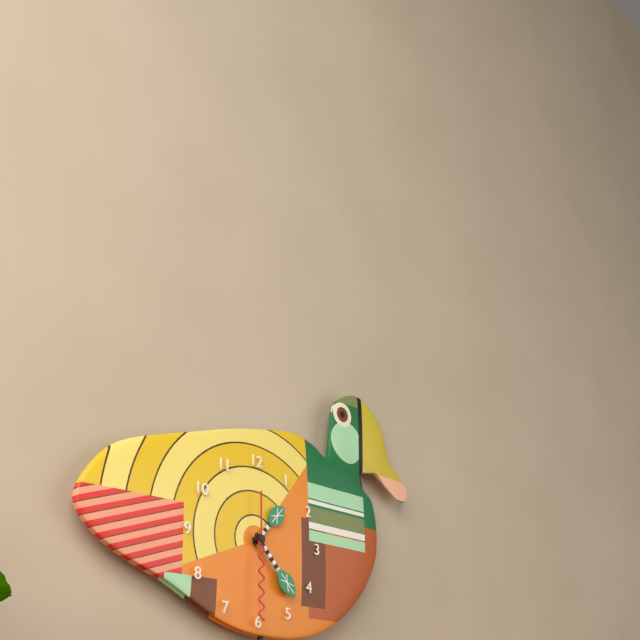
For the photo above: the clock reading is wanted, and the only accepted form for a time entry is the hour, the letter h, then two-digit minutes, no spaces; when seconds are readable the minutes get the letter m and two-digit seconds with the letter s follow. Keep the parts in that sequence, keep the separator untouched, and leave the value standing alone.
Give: 1h23m30s
